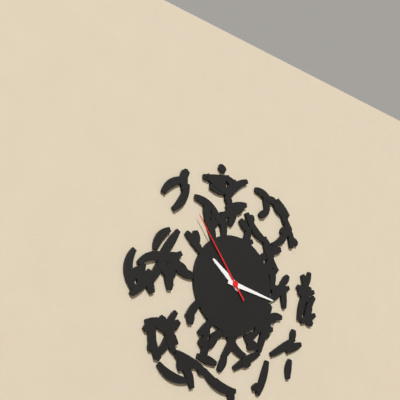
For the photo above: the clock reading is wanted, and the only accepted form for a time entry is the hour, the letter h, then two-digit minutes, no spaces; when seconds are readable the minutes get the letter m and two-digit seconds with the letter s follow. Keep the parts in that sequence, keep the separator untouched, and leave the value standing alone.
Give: 10h17m54s
